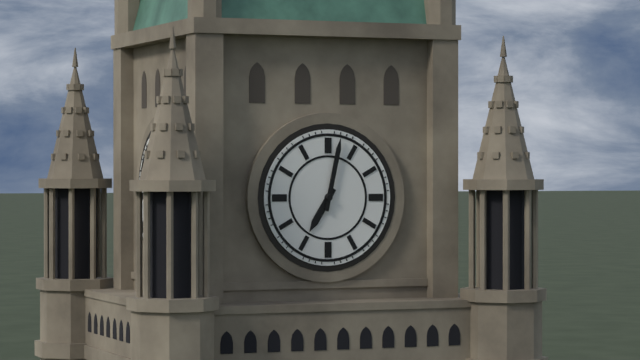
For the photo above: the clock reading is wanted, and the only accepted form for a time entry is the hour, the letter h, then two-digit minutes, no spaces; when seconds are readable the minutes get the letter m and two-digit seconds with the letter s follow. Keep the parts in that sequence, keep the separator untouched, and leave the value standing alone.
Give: 7h02
